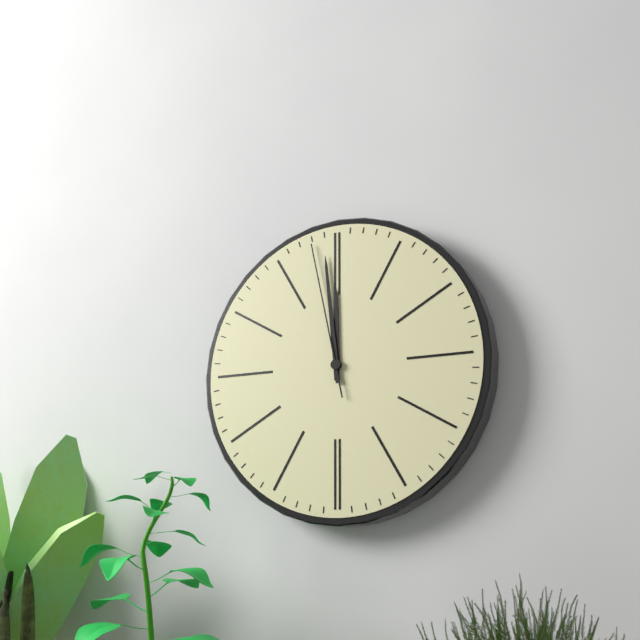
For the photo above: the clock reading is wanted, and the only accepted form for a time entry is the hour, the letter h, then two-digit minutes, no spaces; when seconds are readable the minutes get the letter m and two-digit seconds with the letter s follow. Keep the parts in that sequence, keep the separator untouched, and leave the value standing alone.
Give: 11h59m58s
